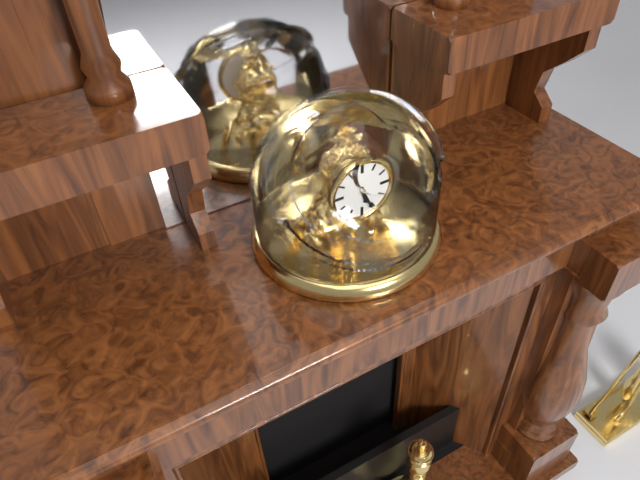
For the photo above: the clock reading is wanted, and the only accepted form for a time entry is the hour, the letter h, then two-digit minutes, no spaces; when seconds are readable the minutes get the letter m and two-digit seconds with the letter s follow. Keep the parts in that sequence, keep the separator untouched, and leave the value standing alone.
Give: 5h26
